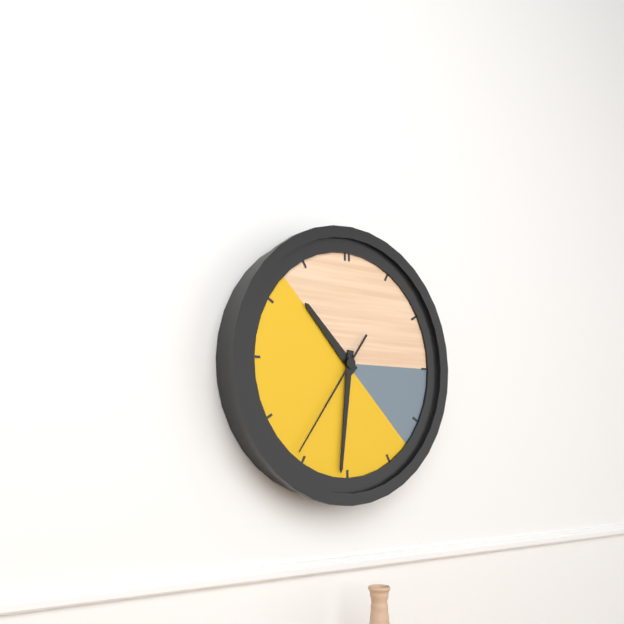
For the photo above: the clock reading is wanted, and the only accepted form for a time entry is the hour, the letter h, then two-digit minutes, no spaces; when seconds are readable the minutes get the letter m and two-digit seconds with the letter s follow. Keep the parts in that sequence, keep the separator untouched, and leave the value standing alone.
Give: 10h31m36s
